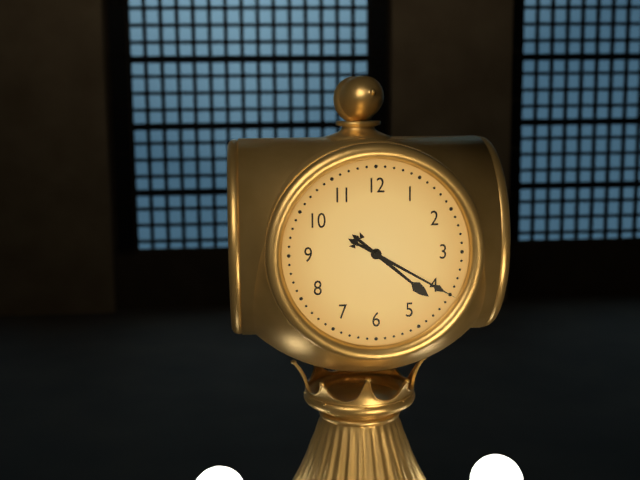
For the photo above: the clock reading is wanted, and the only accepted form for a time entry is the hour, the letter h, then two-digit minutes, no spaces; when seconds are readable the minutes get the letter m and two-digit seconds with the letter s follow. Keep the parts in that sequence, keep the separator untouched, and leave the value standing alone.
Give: 4h20
